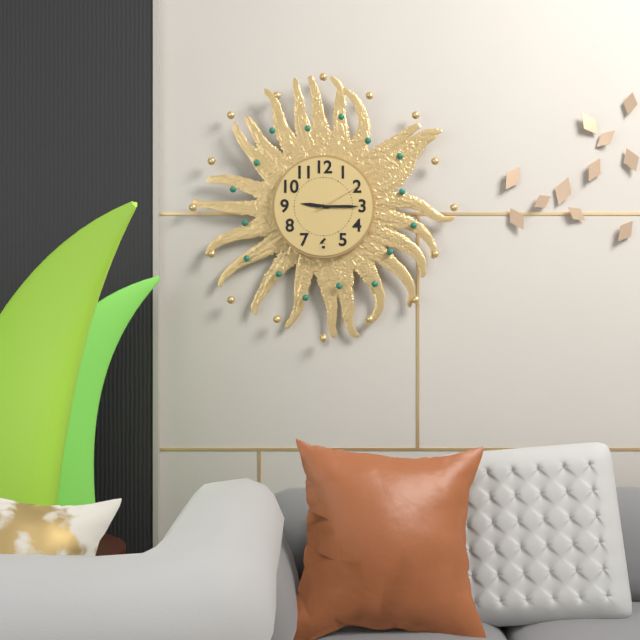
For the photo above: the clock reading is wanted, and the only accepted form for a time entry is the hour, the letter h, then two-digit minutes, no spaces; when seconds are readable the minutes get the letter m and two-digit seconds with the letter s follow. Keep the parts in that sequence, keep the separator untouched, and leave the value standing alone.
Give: 9h15m10s
